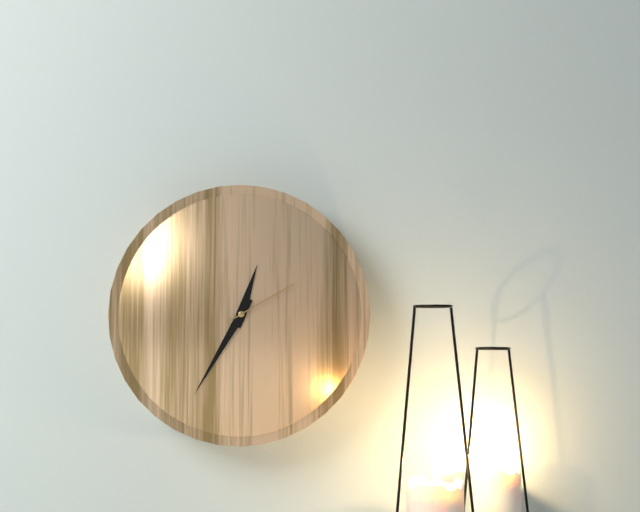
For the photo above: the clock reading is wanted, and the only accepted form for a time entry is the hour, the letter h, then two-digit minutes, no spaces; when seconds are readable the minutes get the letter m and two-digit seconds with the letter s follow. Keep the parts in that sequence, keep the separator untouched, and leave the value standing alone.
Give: 12h35m10s
